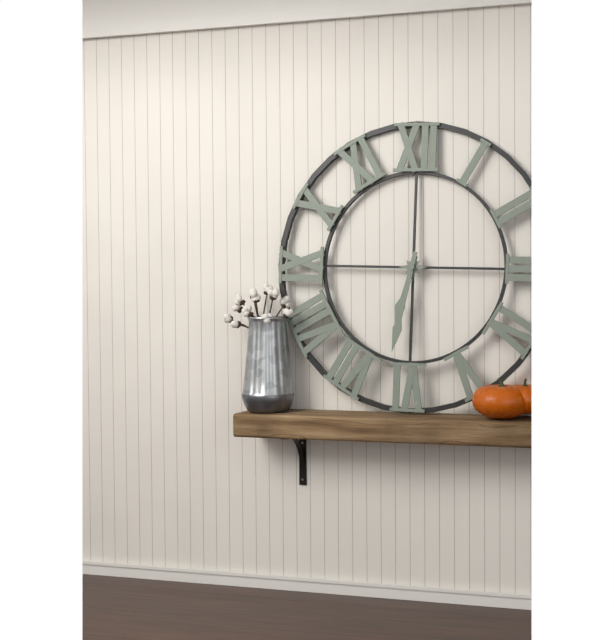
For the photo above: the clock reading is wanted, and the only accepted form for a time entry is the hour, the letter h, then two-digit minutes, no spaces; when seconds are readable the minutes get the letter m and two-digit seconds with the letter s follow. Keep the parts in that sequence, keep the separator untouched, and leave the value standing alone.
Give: 6h32
